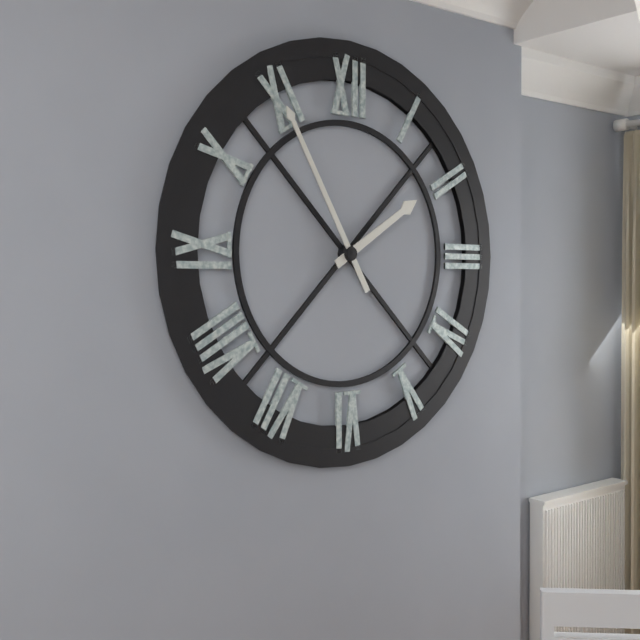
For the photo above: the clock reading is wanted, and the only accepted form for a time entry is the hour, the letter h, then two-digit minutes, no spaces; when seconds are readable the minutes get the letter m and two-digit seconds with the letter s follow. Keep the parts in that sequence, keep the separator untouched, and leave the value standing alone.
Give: 1h55
